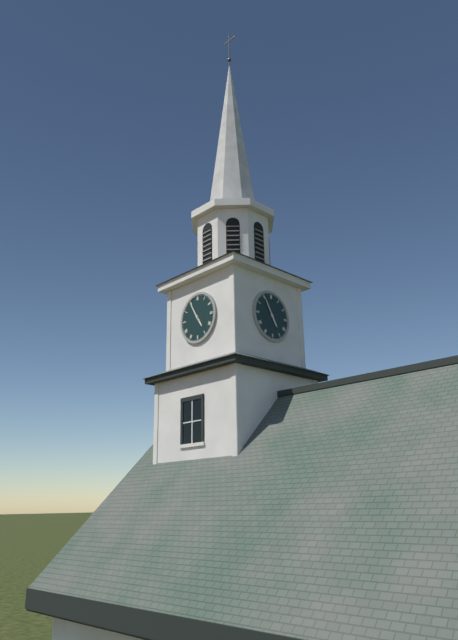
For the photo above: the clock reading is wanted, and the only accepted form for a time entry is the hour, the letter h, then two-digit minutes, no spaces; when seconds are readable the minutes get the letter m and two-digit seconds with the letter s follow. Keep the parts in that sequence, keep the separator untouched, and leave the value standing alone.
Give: 4h55
